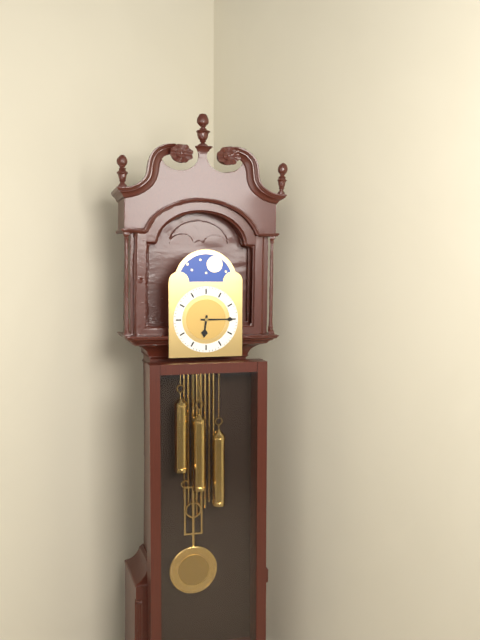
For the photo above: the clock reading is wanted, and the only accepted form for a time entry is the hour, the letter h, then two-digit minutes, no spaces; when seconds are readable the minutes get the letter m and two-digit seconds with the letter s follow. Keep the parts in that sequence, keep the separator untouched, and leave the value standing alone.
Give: 6h15
